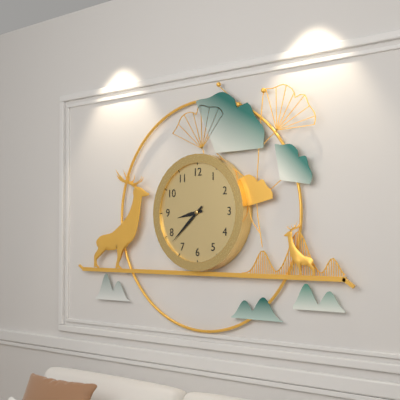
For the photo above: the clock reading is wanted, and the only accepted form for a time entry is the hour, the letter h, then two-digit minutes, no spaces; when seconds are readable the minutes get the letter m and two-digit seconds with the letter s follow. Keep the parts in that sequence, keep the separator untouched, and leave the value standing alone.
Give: 8h38
